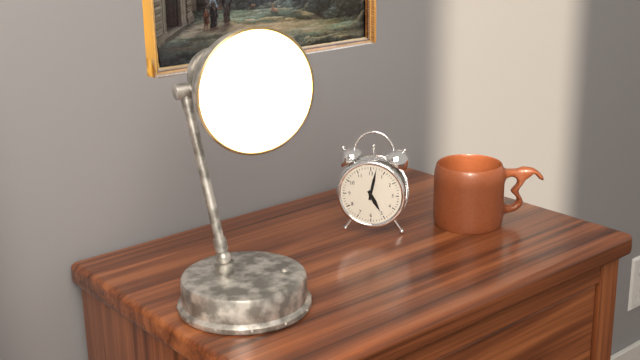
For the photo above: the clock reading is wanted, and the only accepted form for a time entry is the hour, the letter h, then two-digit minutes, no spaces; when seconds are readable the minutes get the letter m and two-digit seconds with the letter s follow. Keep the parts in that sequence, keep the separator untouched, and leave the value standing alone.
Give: 5h02
